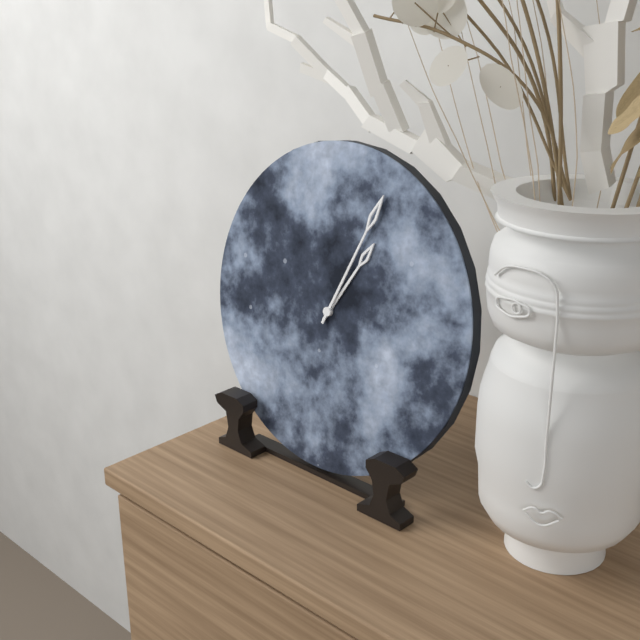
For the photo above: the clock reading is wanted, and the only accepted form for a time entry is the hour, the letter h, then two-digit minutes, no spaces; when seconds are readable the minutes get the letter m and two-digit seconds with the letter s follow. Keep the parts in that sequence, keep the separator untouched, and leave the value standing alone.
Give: 1h04
